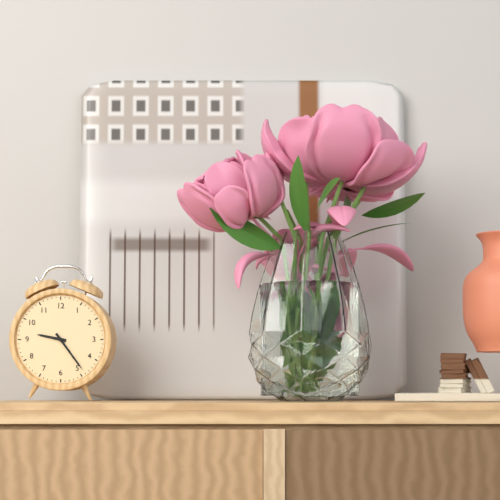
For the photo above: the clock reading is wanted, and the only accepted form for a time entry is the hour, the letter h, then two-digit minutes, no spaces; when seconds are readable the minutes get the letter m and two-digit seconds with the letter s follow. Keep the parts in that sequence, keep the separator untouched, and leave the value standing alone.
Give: 9h24
